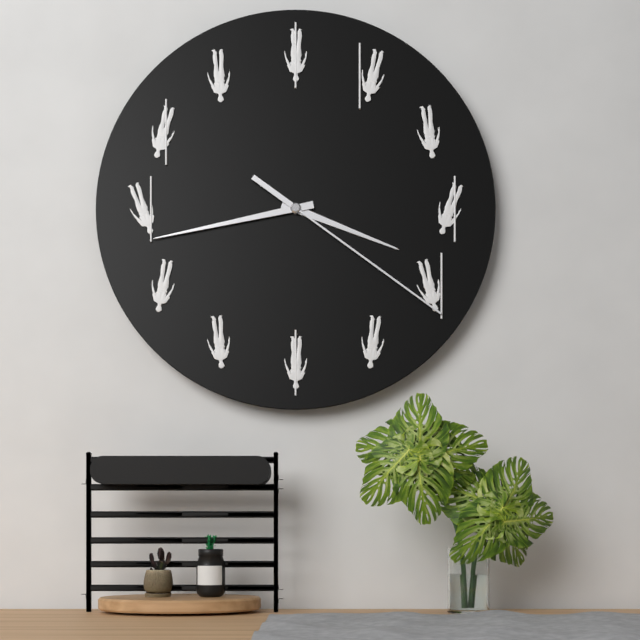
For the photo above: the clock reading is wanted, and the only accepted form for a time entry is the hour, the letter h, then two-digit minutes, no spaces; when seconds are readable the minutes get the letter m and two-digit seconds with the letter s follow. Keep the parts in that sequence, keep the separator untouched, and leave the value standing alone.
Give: 3h43m21s
